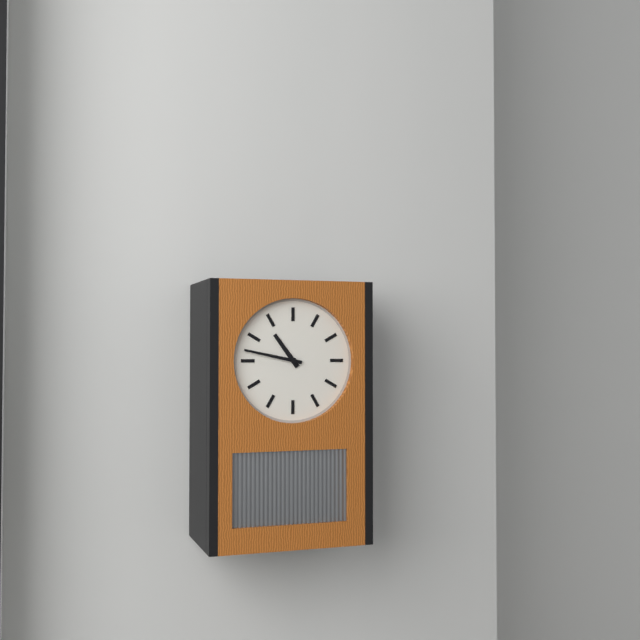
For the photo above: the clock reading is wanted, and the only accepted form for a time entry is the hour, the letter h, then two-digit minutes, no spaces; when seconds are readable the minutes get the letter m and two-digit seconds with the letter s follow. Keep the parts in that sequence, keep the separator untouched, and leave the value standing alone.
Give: 10h47
